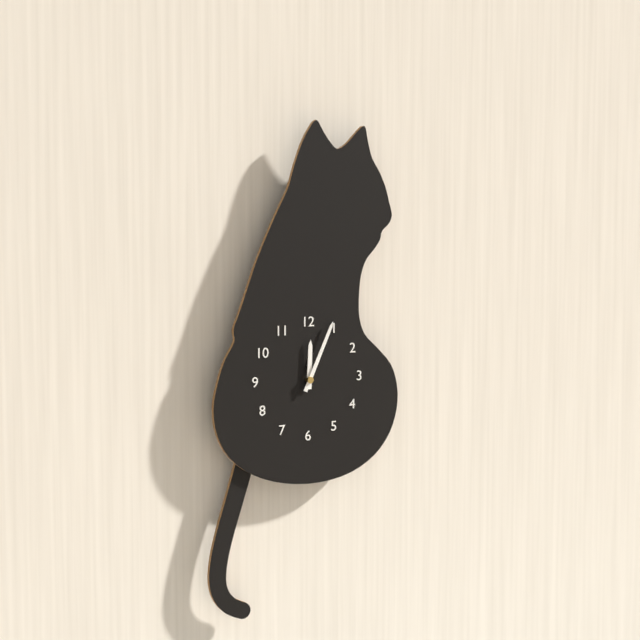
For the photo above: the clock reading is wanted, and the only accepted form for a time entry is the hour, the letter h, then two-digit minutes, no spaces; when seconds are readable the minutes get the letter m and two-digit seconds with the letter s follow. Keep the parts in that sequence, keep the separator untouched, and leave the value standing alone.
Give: 12h04
